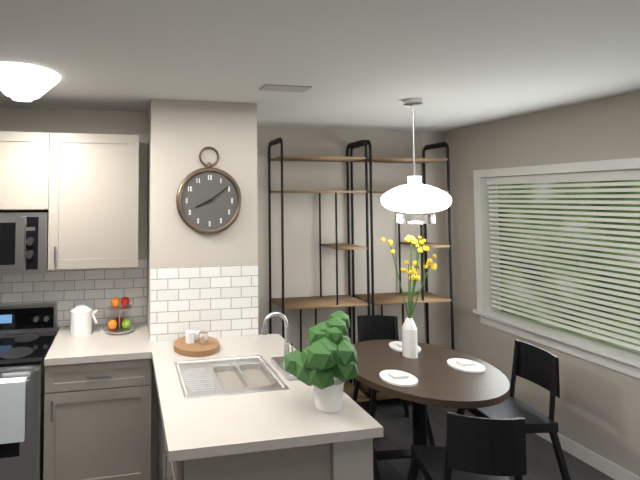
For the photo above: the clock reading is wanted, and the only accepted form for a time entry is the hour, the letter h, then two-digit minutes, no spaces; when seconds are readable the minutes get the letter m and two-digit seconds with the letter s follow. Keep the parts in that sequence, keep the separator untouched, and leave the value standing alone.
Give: 8h09
